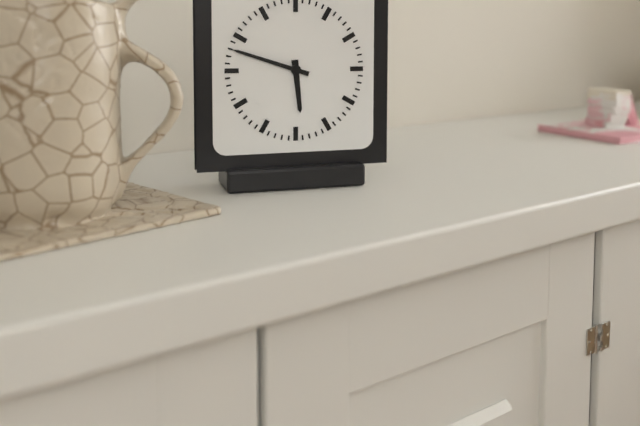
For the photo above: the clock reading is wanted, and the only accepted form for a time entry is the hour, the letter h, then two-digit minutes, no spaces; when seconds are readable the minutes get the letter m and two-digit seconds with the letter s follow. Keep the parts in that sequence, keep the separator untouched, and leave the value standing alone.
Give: 5h48
